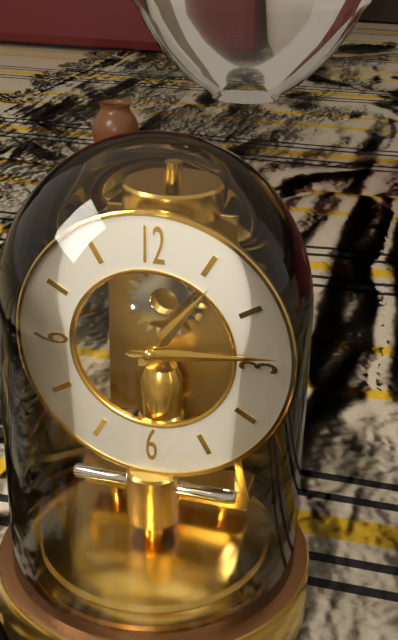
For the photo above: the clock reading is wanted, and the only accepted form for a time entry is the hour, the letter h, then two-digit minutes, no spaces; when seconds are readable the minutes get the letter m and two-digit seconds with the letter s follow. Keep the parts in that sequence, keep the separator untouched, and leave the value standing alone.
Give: 1h14
